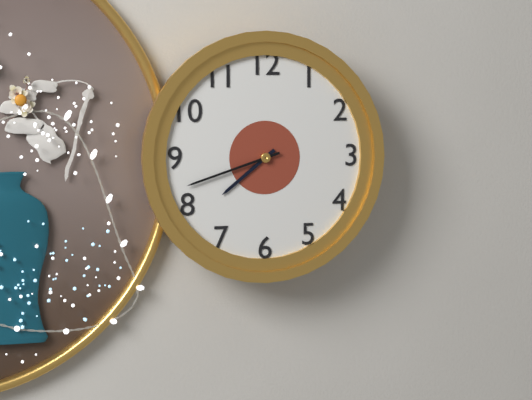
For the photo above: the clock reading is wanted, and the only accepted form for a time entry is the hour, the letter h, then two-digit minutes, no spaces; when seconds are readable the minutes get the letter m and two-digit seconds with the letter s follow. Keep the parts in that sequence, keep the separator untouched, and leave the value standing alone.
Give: 7h42
